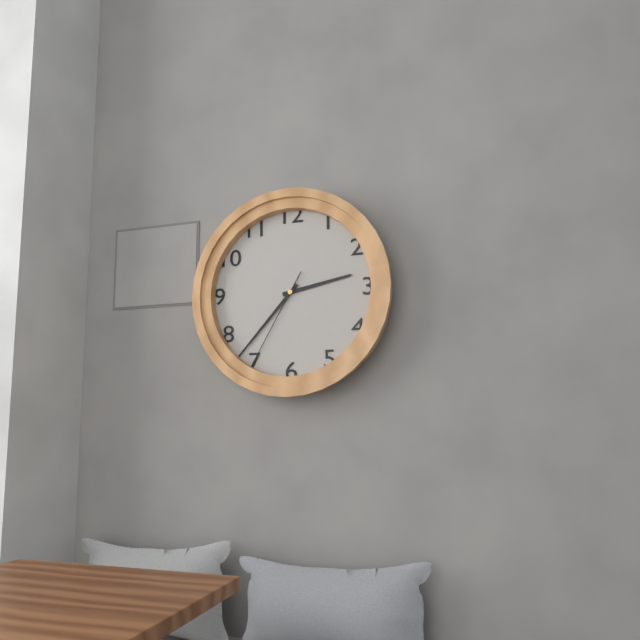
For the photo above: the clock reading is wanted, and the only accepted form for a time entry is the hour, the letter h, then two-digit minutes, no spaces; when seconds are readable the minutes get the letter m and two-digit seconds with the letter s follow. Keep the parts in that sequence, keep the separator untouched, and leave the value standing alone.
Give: 2h37m35s
